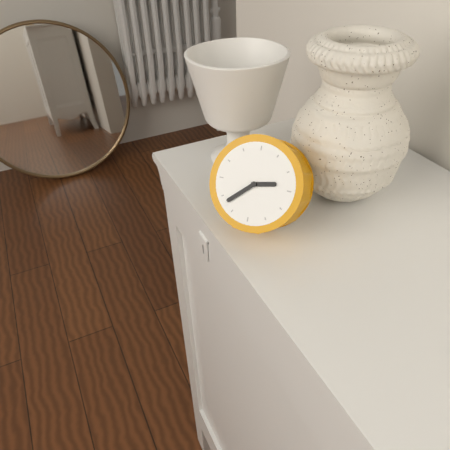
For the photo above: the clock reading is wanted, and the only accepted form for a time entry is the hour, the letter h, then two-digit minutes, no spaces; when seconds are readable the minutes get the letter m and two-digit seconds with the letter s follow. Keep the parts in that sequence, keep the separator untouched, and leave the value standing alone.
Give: 2h38
